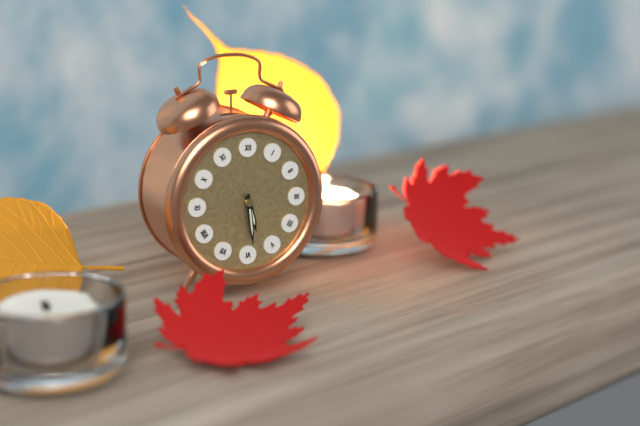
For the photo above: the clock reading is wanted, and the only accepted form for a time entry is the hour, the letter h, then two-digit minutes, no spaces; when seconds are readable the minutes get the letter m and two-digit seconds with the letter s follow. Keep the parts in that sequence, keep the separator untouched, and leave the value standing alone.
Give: 5h29
